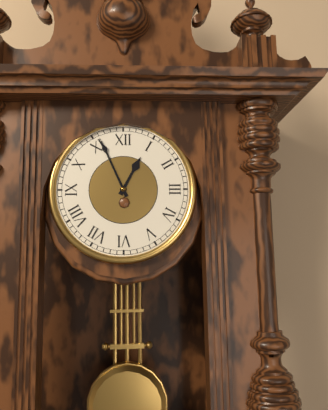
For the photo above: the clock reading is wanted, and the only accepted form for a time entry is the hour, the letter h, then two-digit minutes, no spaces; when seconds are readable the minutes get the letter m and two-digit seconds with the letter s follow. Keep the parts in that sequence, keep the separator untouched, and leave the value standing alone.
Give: 12h56
